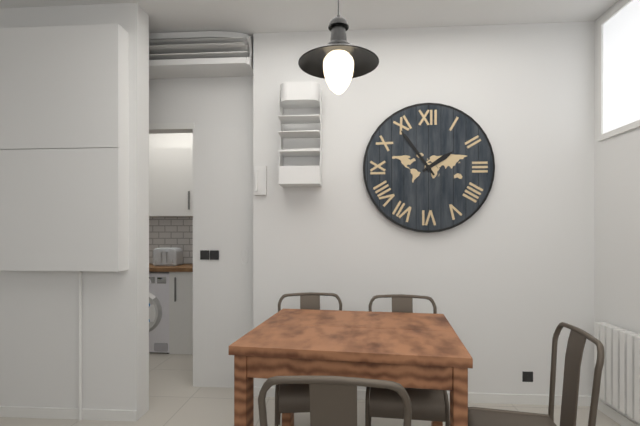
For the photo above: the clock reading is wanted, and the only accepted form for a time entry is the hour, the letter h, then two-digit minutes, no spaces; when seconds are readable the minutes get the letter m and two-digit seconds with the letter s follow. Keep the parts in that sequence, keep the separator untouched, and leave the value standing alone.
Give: 1h54
